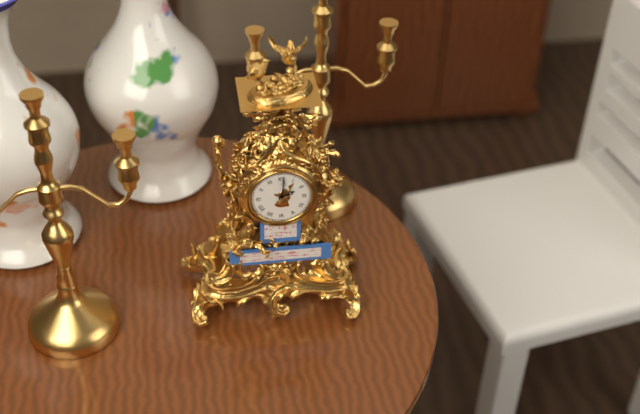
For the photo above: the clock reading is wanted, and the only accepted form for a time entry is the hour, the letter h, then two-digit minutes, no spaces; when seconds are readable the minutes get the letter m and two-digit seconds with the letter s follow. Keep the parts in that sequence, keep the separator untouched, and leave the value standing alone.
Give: 2h01
